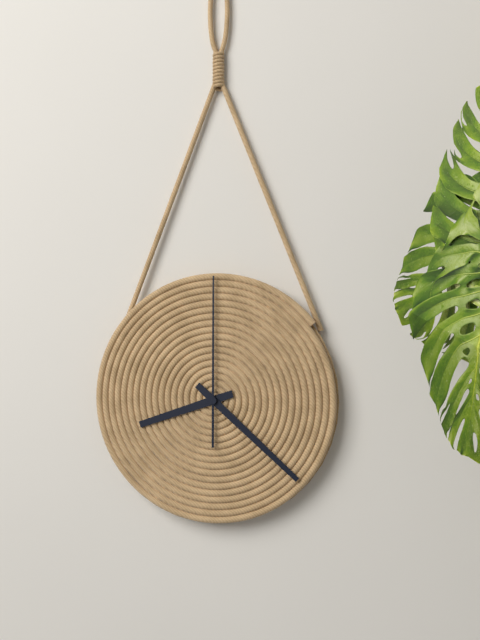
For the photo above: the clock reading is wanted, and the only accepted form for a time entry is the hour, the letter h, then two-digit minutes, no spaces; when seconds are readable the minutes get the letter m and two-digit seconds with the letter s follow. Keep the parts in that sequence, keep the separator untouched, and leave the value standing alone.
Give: 8h22m00s
